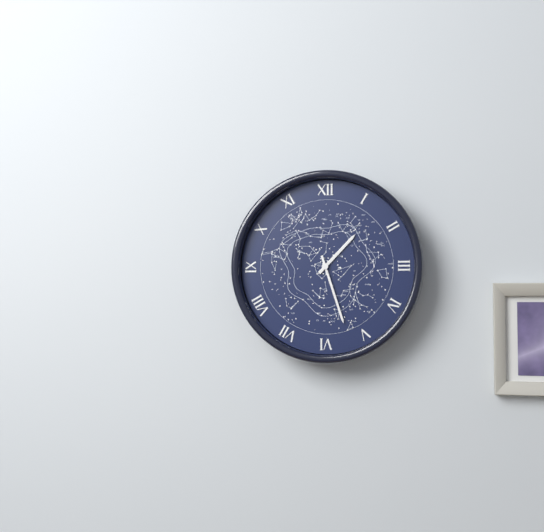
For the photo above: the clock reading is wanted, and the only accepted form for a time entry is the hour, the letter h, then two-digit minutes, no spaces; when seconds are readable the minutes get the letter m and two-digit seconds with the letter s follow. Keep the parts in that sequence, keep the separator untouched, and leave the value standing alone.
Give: 1h27
